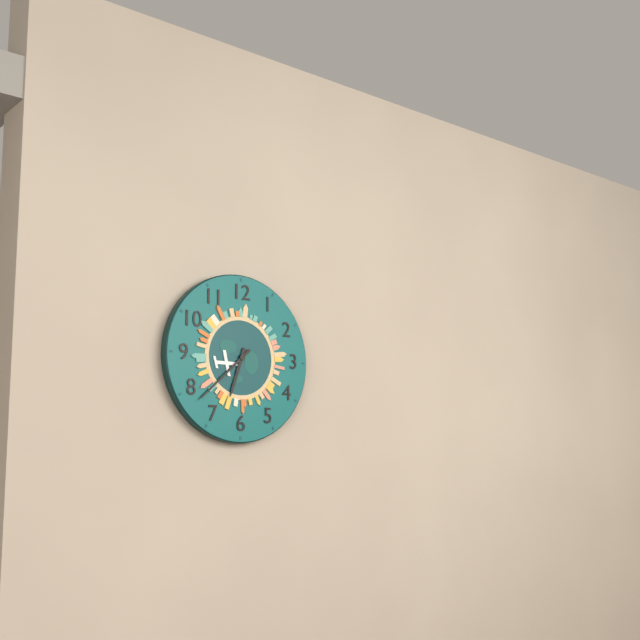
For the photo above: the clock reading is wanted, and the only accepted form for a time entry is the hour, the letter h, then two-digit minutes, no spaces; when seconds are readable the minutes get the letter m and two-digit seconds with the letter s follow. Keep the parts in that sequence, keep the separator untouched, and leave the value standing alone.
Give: 6h38
